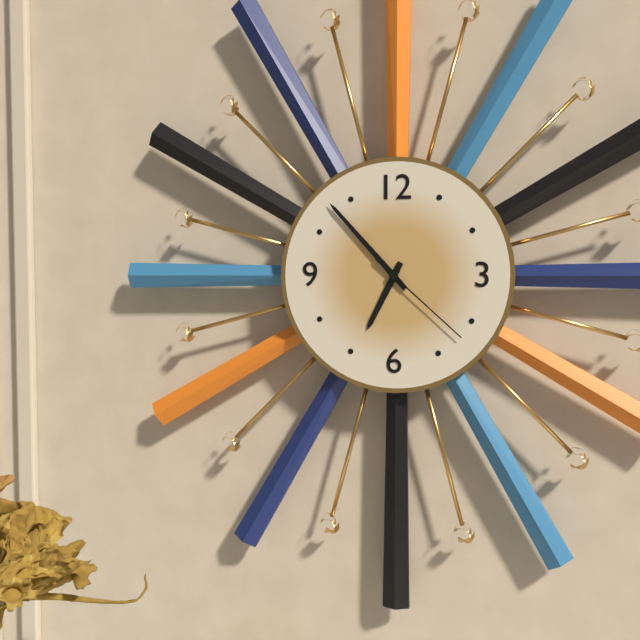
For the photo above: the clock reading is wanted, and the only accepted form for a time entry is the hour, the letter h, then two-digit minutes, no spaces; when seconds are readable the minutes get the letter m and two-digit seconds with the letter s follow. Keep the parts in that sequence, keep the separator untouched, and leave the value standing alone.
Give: 6h53m22s
